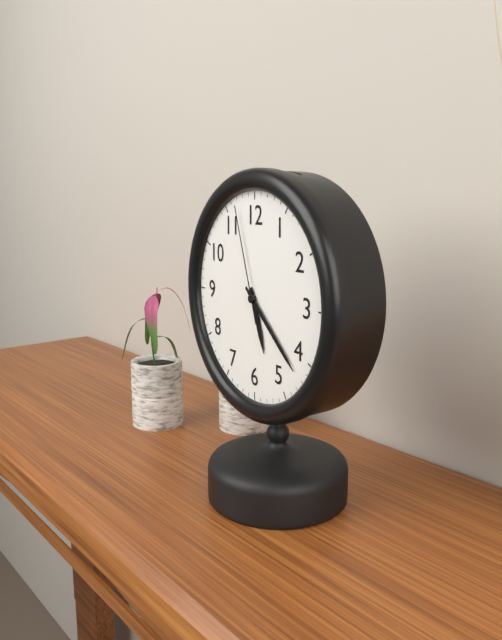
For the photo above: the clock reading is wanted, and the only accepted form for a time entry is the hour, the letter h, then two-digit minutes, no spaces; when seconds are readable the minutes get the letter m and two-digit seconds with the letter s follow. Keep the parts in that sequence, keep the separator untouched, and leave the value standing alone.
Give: 5h22m57s
